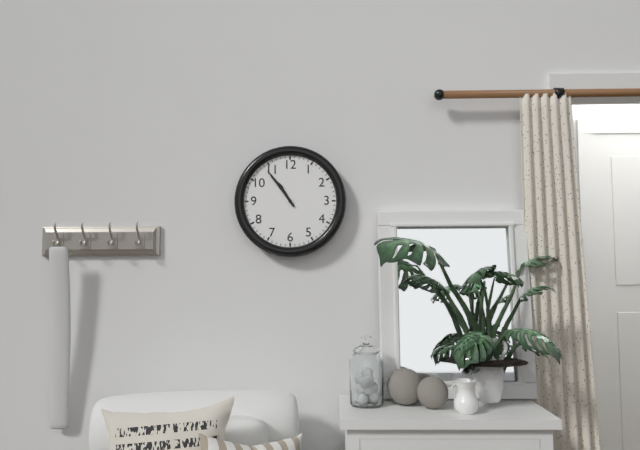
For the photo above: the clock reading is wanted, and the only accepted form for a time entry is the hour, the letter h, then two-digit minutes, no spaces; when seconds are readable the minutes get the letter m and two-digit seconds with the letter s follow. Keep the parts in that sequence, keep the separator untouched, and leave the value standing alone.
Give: 10h54
